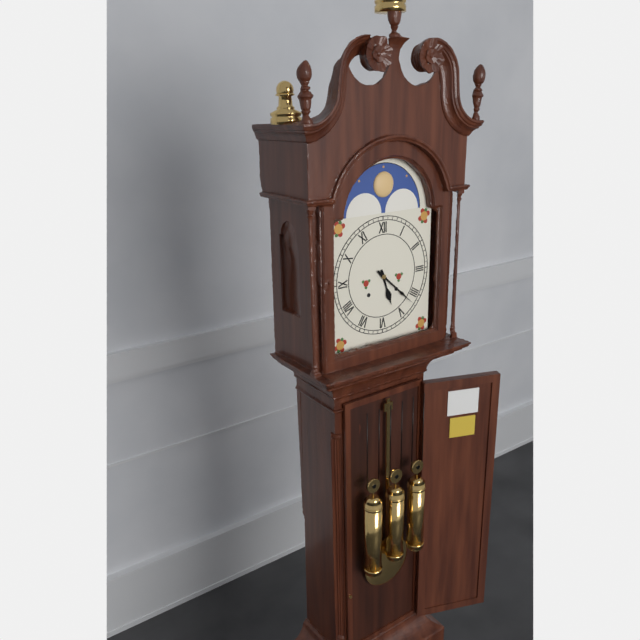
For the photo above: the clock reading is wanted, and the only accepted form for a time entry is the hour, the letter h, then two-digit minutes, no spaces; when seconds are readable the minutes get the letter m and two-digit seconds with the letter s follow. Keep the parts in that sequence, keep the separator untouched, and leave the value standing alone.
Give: 5h22
